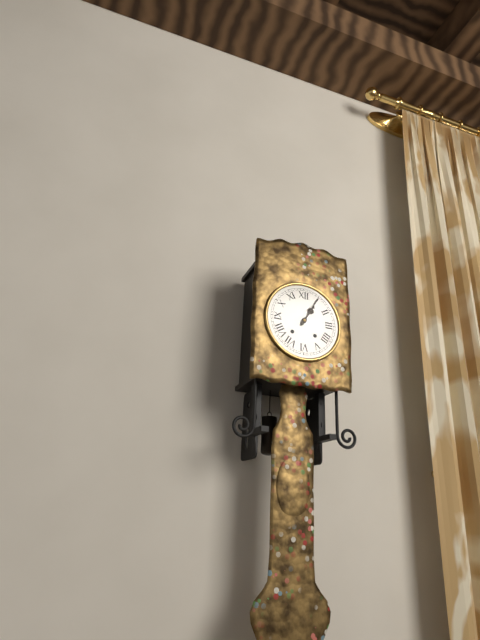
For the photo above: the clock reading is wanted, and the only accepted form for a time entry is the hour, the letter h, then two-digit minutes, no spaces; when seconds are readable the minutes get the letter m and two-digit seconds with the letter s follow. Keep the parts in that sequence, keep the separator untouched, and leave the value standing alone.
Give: 1h05
